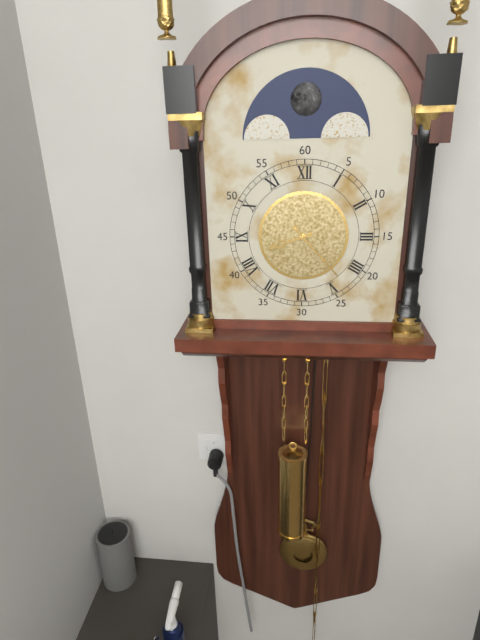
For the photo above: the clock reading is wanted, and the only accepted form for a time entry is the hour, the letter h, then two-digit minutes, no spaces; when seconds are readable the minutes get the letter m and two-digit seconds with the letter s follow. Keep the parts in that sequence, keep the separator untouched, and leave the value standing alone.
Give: 8h23
